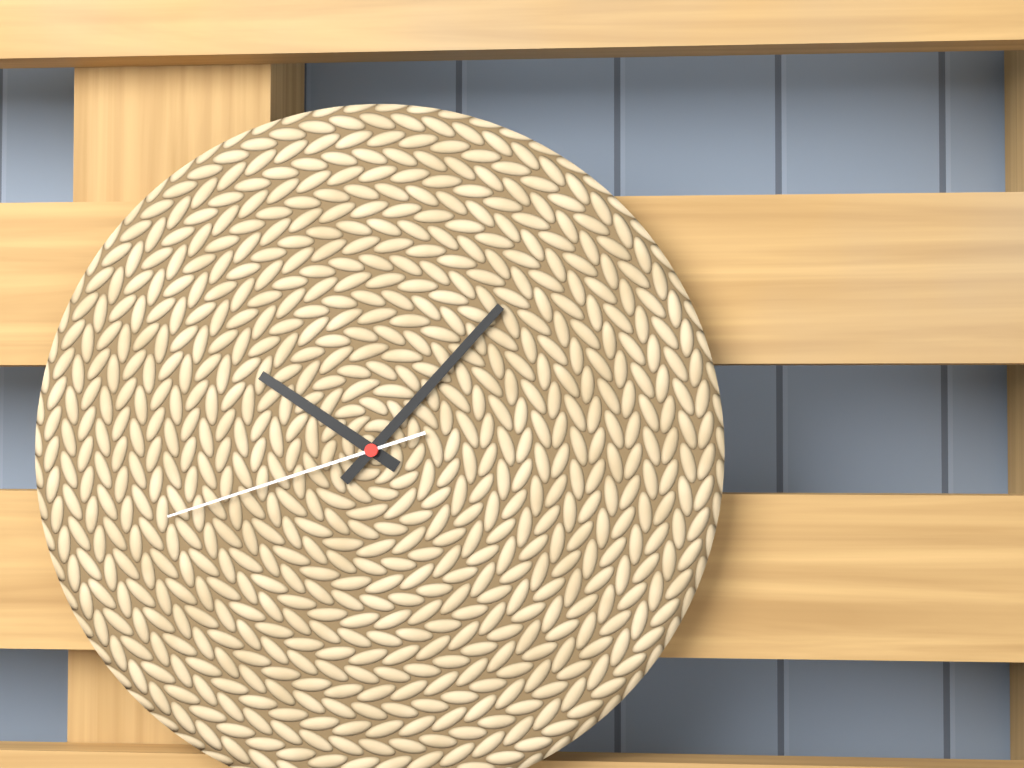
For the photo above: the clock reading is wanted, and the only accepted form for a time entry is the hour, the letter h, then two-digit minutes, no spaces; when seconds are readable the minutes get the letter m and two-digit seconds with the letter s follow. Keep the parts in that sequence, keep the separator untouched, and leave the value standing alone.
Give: 10h07m42s
